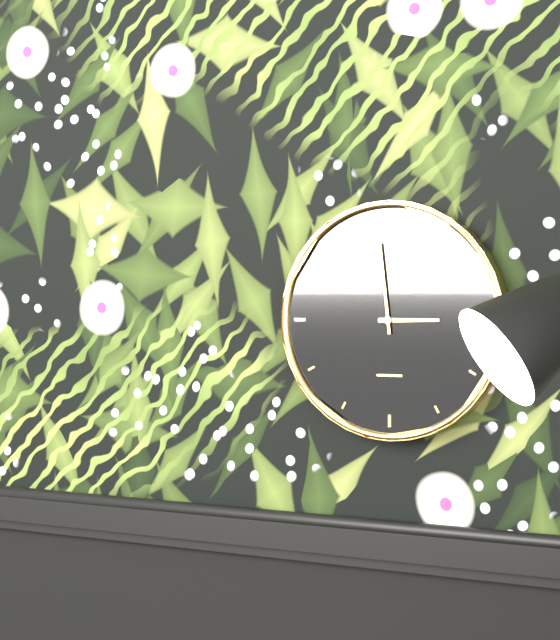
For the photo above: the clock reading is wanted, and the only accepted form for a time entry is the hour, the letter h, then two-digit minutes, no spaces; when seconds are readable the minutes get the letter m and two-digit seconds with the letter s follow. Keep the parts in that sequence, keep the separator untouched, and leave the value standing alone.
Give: 2h59
